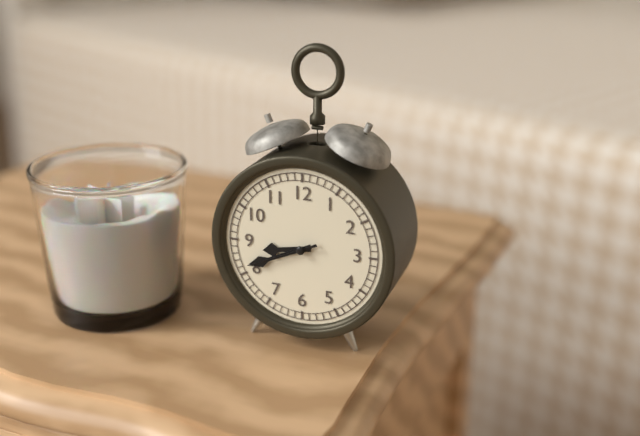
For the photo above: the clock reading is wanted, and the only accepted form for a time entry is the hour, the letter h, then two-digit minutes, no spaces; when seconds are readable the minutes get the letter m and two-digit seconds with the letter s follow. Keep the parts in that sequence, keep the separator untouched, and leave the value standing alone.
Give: 8h41m41s
